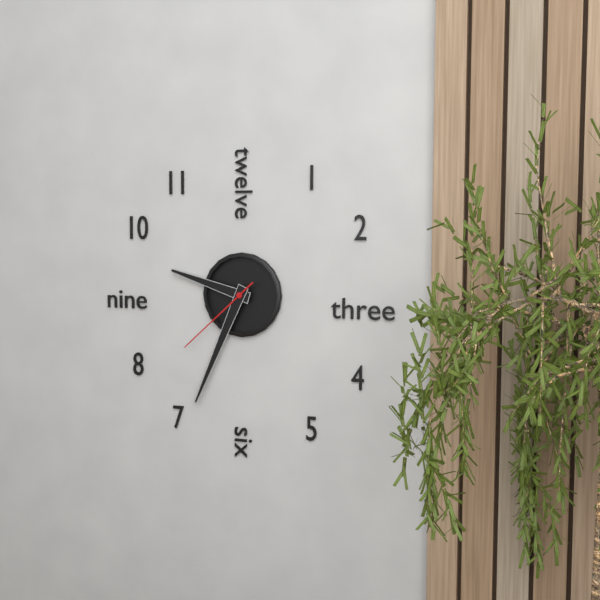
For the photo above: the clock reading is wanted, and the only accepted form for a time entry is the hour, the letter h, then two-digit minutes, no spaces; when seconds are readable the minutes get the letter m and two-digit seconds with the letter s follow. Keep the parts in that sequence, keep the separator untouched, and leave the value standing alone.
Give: 9h34m38s
